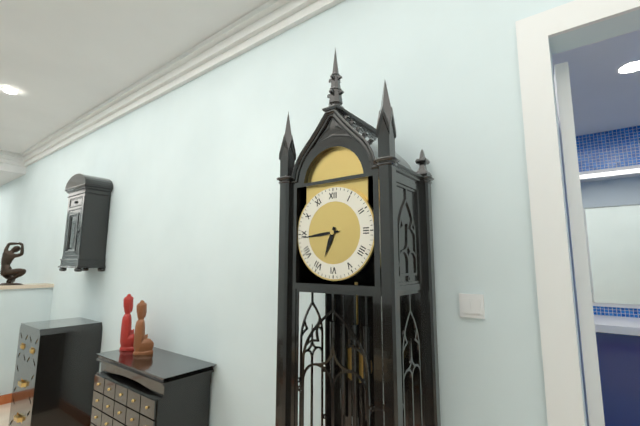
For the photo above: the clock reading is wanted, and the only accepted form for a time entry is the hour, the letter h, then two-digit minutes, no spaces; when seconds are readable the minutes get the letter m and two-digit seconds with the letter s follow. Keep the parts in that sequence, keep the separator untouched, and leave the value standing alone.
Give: 6h44
